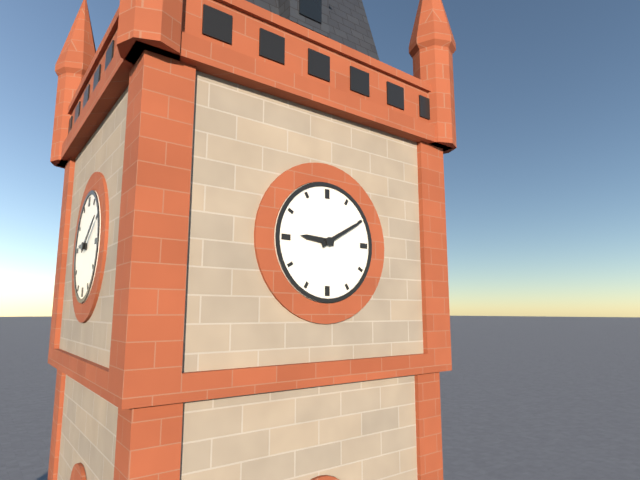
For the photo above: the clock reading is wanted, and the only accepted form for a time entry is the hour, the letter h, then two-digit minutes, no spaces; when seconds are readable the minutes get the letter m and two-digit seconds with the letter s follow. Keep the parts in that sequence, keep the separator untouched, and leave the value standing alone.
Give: 9h10
